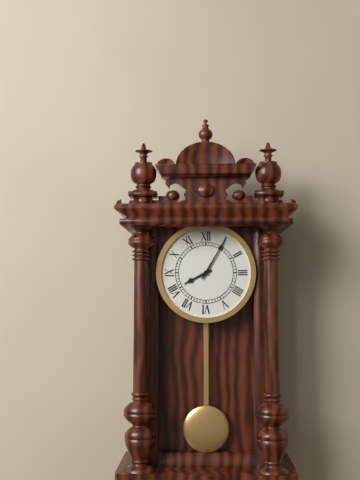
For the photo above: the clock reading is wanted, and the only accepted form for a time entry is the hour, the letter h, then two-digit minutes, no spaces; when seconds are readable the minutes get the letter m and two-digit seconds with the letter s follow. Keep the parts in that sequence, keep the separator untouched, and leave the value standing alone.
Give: 8h05
